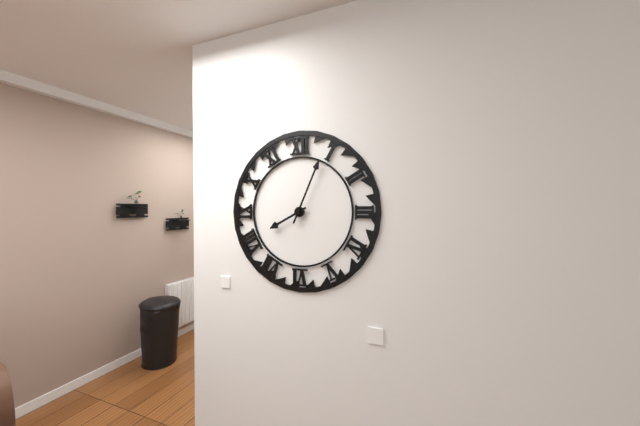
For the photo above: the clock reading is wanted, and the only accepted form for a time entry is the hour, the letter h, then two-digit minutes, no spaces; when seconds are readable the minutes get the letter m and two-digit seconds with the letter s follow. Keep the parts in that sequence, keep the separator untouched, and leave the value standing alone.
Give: 8h04
